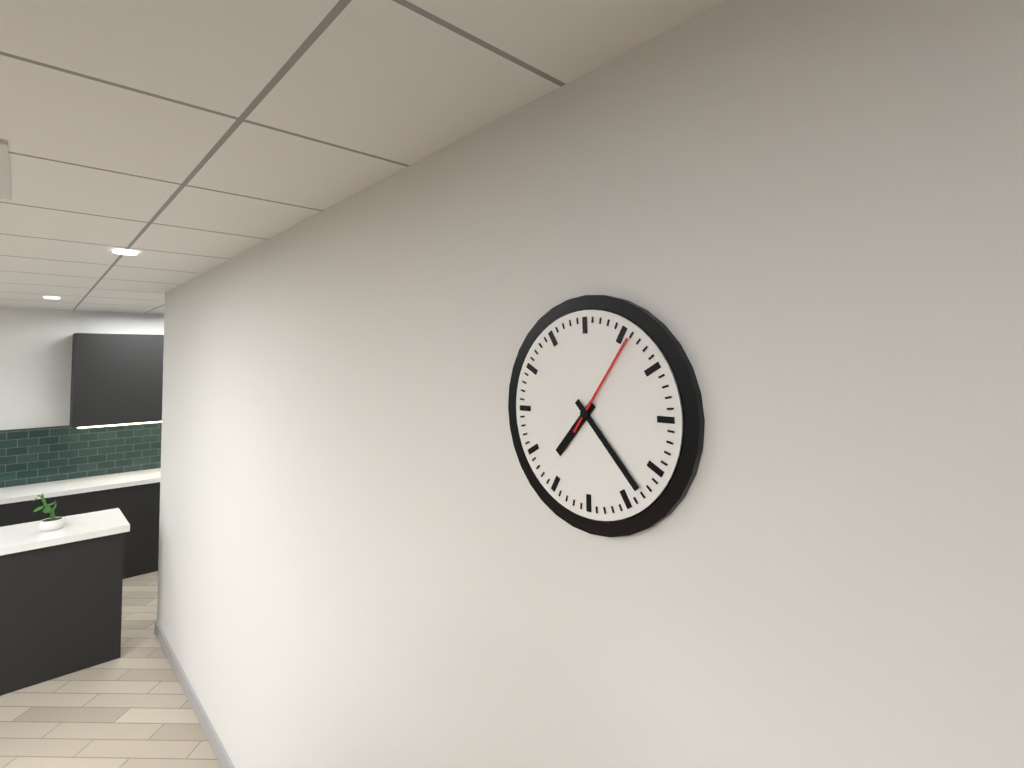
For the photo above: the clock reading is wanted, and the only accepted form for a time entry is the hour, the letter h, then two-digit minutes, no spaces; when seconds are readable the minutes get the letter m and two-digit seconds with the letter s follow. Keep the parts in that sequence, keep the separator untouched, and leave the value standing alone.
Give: 7h23m06s
